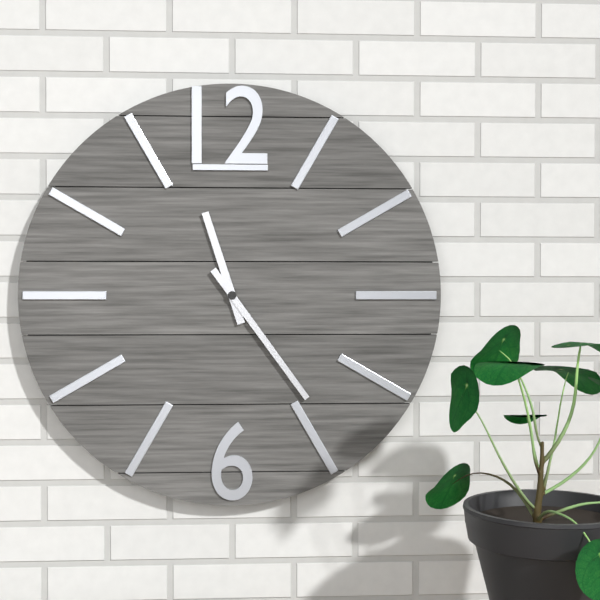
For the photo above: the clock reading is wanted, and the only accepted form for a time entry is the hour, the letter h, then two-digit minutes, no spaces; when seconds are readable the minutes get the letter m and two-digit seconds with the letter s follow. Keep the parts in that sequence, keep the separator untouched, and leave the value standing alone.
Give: 11h24
